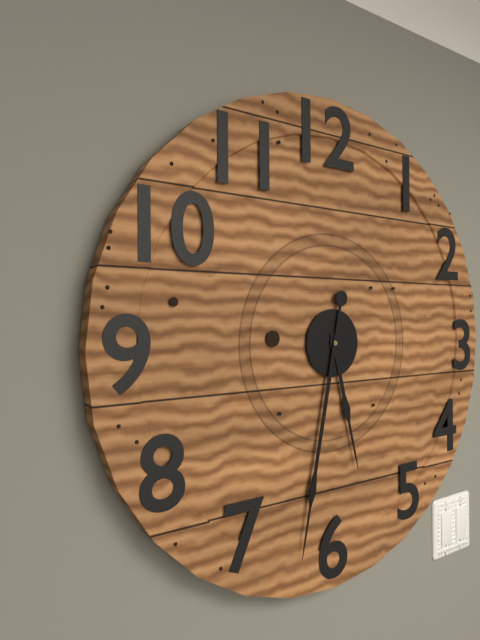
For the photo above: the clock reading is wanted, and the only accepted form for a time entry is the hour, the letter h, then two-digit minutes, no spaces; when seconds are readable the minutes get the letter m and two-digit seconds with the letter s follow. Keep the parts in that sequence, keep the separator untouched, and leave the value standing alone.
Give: 5h32
